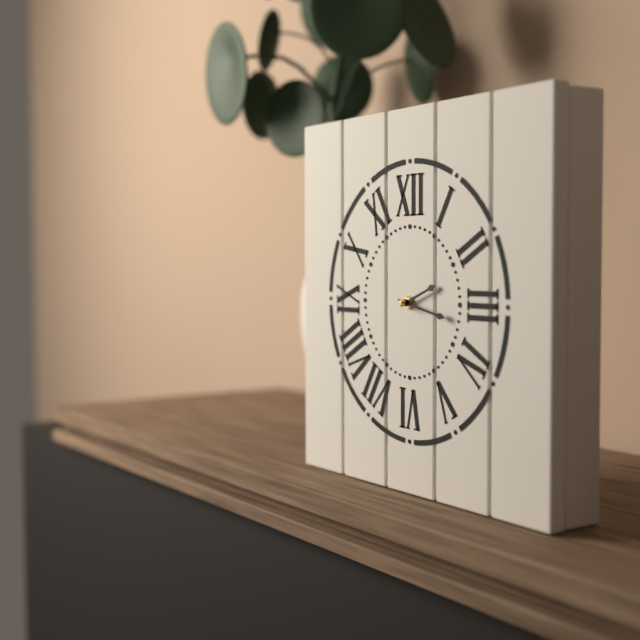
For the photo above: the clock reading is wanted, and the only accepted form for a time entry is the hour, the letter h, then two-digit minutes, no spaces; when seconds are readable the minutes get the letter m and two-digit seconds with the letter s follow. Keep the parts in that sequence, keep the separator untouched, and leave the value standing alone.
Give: 2h17
